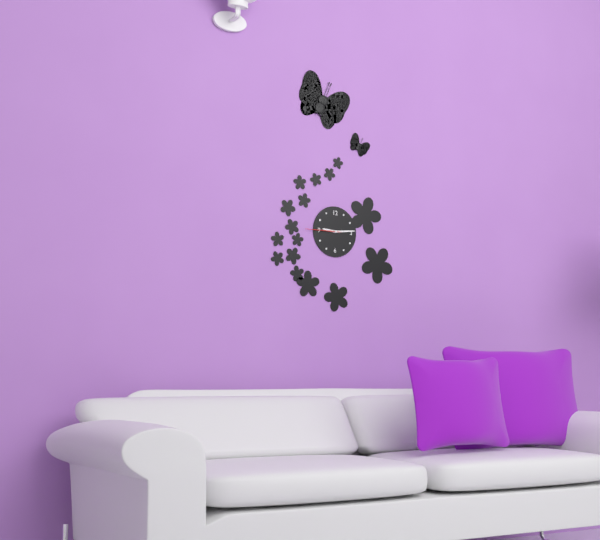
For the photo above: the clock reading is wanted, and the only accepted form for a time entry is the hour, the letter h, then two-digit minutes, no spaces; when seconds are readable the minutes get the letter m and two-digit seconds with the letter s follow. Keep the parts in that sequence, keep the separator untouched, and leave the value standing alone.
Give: 9h14
